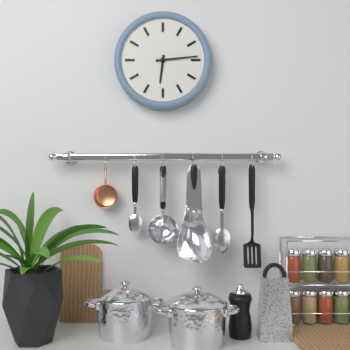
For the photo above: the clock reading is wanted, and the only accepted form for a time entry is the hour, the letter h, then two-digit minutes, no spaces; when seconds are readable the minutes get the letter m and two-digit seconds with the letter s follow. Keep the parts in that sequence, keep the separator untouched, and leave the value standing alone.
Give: 6h14
